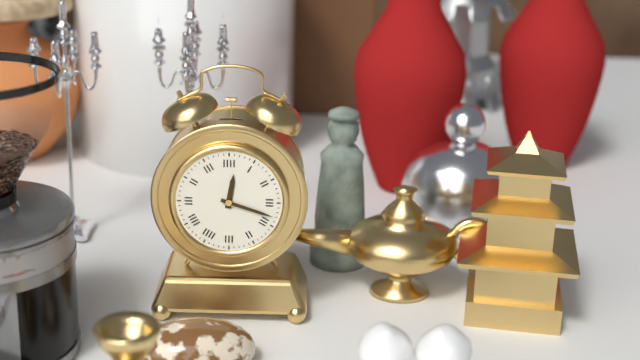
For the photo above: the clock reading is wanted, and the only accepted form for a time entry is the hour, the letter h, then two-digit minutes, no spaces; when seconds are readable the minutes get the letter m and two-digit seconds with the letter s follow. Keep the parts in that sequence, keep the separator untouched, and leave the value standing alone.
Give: 12h18
